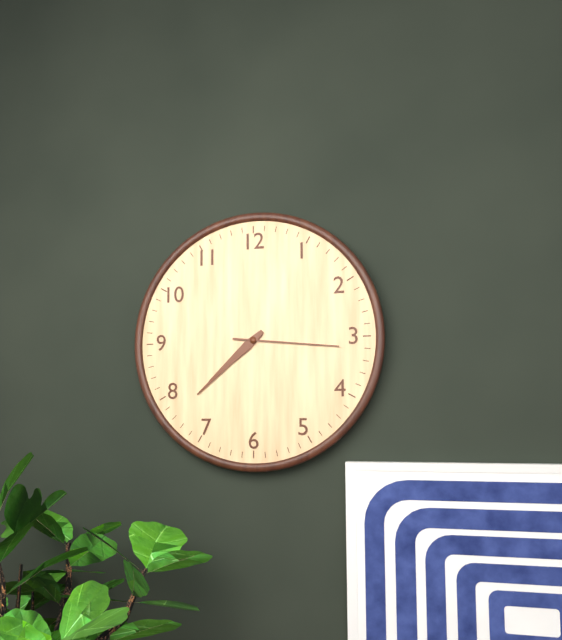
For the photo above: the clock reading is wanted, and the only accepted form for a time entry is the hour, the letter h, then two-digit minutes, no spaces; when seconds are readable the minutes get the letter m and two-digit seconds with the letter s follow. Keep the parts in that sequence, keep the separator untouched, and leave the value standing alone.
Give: 7h38m16s
